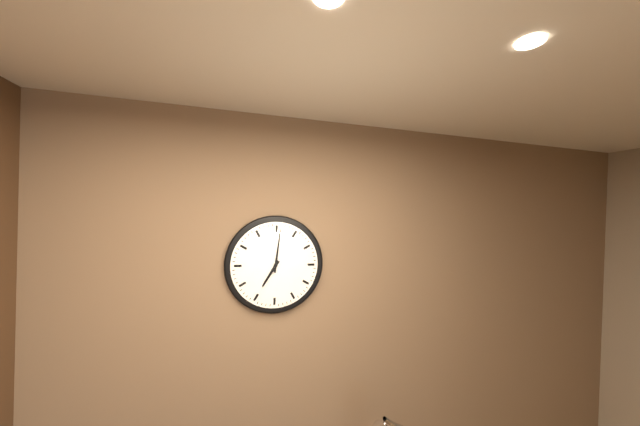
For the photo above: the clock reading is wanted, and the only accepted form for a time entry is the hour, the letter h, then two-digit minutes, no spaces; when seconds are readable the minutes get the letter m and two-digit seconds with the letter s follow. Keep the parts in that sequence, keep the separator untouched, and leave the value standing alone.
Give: 7h01
